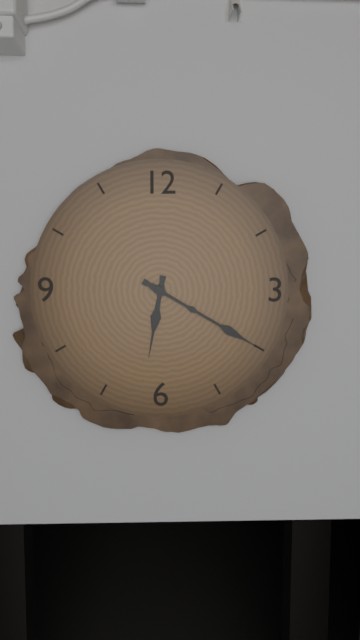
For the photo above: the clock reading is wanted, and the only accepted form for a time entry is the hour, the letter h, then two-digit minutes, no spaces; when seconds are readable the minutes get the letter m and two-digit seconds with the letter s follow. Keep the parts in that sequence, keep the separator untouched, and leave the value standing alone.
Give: 6h20
